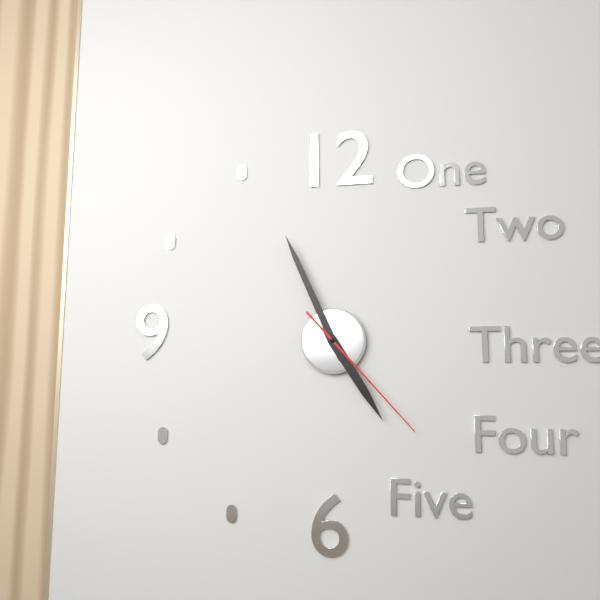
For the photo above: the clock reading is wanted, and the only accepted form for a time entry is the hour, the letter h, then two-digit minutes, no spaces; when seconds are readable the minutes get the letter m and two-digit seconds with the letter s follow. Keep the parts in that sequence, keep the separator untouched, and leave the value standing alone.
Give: 4h56m23s
